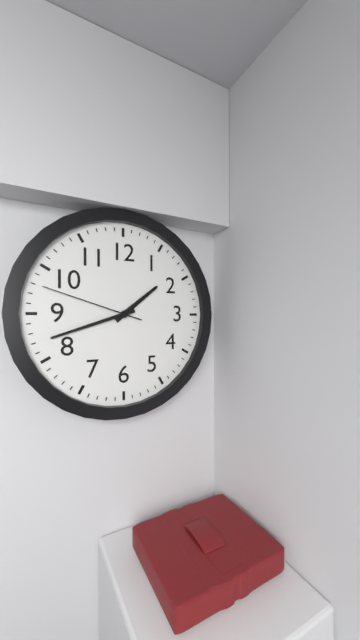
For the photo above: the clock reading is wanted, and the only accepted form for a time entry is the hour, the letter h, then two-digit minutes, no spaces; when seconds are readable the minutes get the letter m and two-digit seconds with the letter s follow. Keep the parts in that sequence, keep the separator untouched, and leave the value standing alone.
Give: 1h42m48s
